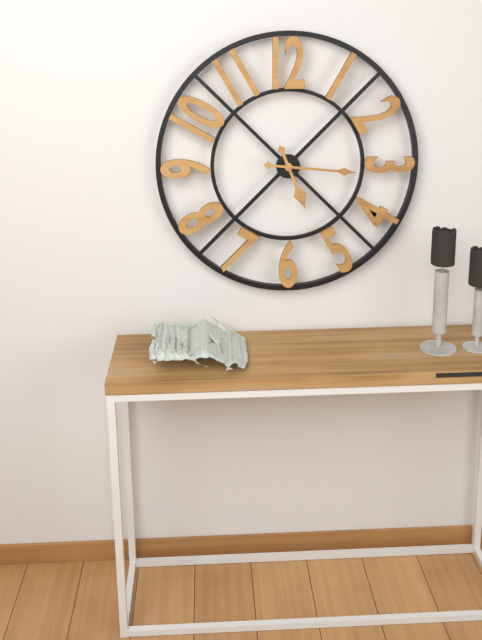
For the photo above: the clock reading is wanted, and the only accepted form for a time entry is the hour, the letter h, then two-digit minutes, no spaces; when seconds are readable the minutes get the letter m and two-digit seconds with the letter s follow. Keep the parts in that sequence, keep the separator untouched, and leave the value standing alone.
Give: 5h16
